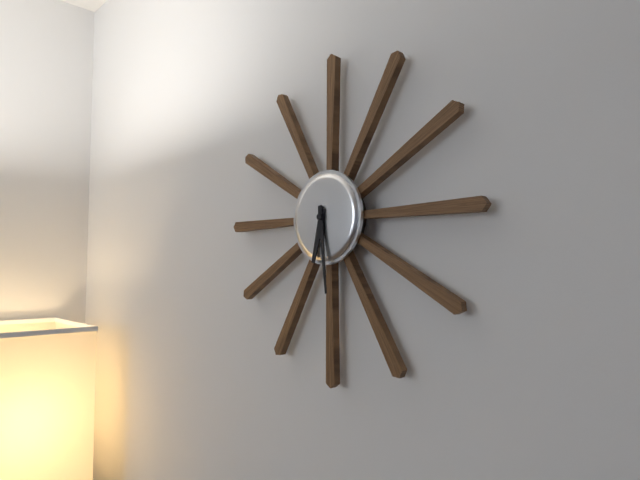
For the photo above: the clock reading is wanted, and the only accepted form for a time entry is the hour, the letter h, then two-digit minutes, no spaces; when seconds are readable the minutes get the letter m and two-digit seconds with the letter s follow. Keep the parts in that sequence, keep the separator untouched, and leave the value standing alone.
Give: 6h29
